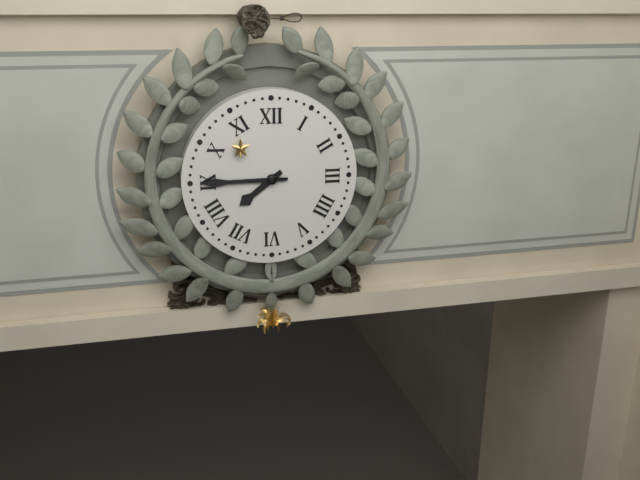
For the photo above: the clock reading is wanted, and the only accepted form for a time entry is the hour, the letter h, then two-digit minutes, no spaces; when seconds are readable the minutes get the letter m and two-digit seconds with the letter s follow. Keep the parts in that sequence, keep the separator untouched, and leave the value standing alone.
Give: 7h45
